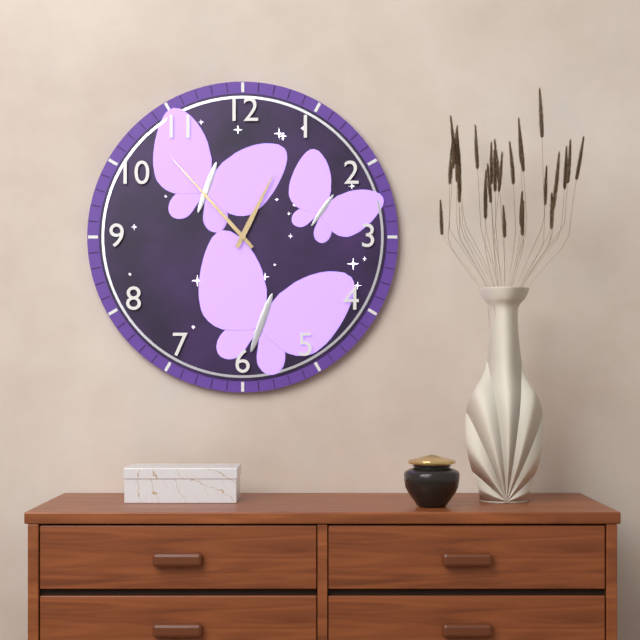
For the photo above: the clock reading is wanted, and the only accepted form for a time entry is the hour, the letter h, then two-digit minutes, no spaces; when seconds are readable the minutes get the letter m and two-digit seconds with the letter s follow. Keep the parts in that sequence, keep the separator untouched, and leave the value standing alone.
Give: 12h53
